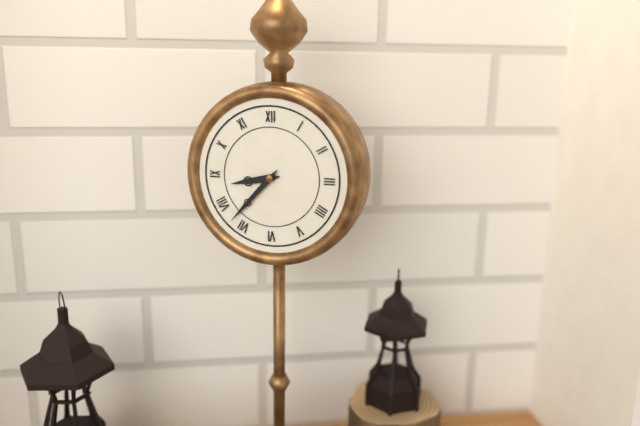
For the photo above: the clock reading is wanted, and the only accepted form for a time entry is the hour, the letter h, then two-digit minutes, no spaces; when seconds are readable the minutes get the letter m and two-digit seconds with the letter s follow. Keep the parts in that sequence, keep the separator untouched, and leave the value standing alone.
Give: 8h37
